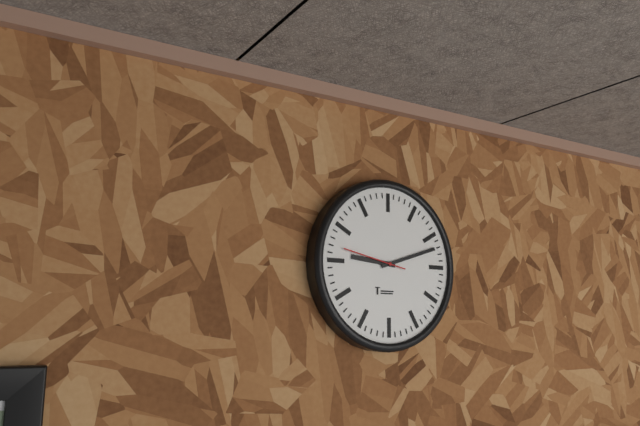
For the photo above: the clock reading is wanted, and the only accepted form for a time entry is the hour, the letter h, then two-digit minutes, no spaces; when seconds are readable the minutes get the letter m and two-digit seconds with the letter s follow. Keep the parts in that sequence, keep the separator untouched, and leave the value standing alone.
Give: 9h12m47s
